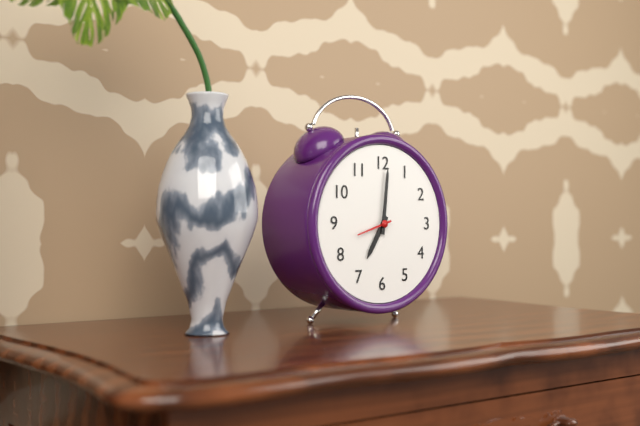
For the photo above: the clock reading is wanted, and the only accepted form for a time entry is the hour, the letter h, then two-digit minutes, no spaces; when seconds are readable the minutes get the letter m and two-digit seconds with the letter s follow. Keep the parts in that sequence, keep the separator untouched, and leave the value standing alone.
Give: 7h01
